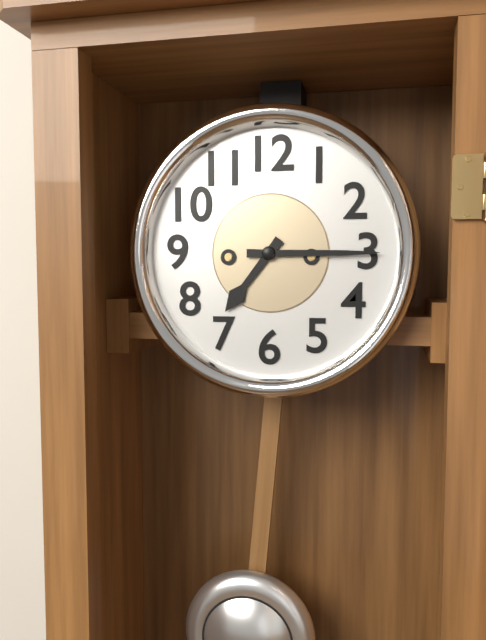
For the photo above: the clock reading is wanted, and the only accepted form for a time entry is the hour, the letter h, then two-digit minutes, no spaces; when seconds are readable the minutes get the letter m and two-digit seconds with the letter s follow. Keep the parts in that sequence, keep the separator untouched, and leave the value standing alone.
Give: 7h15
